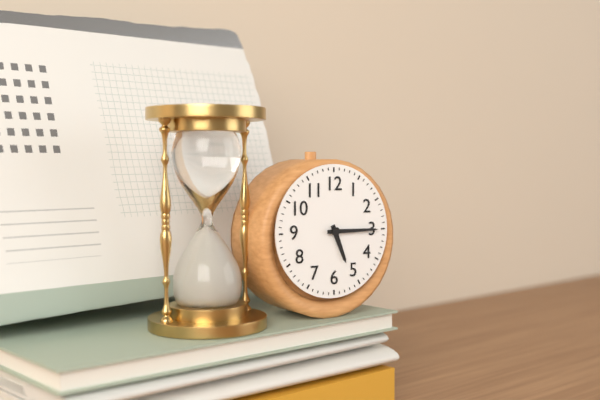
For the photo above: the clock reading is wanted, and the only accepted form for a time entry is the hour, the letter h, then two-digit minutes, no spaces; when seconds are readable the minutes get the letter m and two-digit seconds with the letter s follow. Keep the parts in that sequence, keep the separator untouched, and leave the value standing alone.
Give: 5h15
